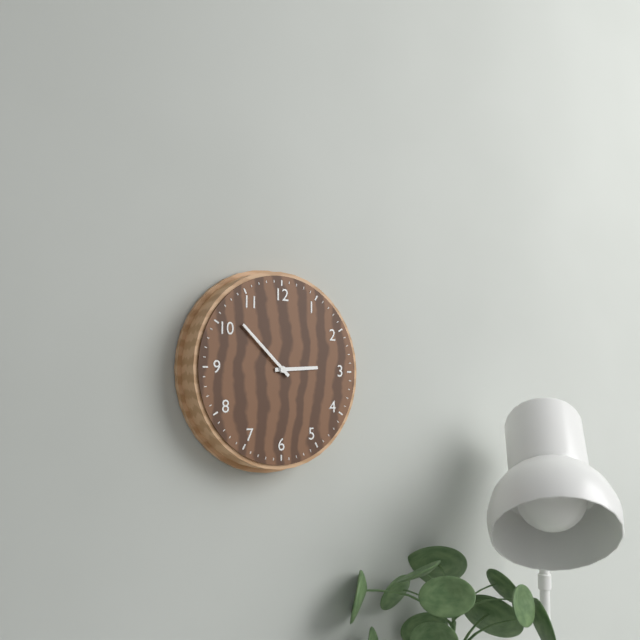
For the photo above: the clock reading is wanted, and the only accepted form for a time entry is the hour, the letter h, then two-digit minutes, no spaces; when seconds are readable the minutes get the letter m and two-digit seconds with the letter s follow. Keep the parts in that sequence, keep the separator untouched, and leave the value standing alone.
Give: 2h52
